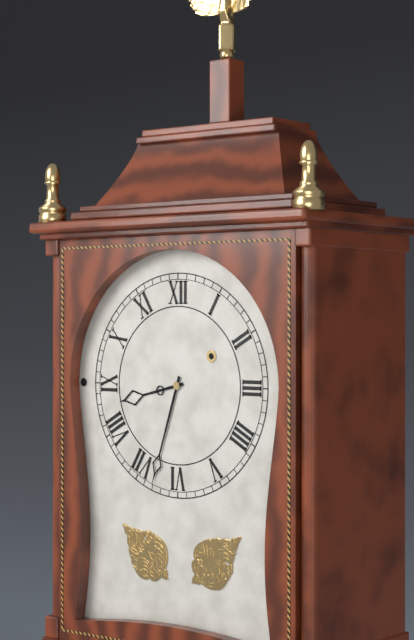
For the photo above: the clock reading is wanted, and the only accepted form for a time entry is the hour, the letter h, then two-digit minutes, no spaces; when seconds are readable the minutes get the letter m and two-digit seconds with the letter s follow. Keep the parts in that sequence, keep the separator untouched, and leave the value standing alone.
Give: 8h33
